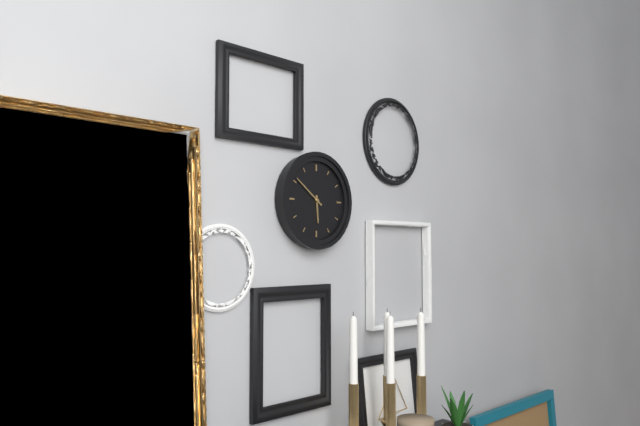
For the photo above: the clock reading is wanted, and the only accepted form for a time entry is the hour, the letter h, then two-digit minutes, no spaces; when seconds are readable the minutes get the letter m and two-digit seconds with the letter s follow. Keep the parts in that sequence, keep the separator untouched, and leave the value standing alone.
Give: 5h51
